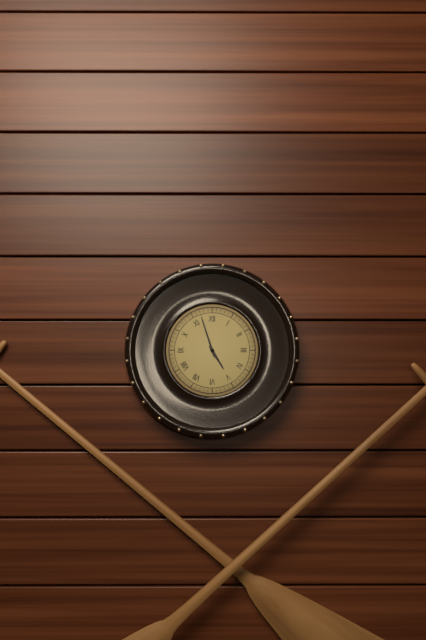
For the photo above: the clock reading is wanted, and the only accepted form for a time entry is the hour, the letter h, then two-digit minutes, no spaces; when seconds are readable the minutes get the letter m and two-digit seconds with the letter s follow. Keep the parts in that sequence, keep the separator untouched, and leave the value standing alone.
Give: 4h57
